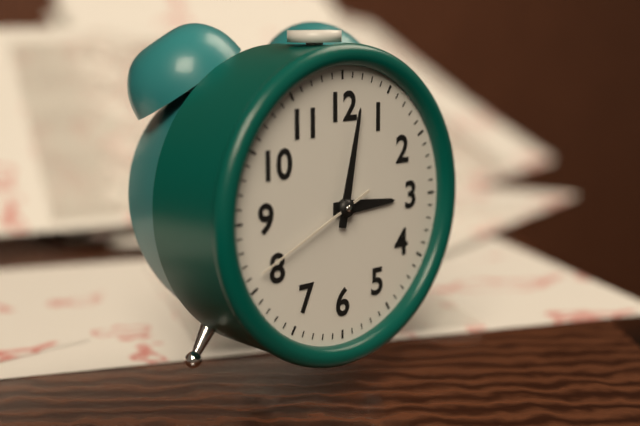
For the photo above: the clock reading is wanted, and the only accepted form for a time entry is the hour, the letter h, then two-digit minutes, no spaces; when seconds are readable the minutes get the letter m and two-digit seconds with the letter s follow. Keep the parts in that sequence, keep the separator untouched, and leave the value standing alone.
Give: 3h02m41s
